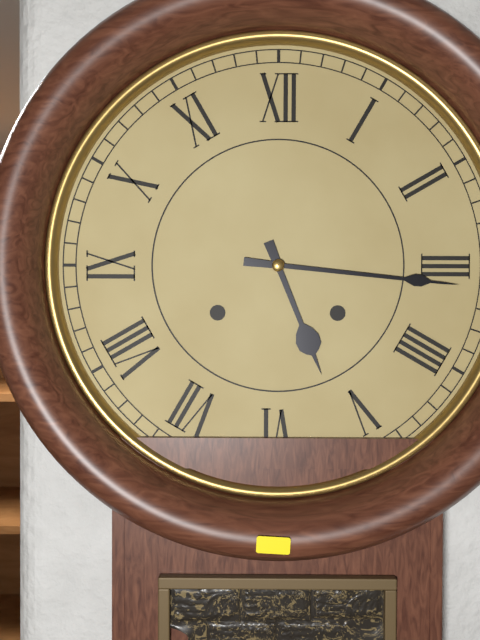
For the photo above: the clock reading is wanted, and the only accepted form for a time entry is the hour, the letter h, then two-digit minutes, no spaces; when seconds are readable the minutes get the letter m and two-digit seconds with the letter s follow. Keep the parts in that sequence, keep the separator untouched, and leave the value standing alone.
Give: 5h16
